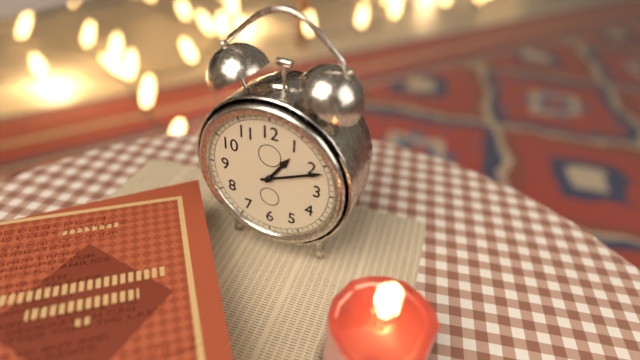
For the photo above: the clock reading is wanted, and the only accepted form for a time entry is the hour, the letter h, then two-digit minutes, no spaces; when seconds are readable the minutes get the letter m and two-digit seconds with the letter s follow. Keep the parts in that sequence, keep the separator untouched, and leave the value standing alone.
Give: 1h11
